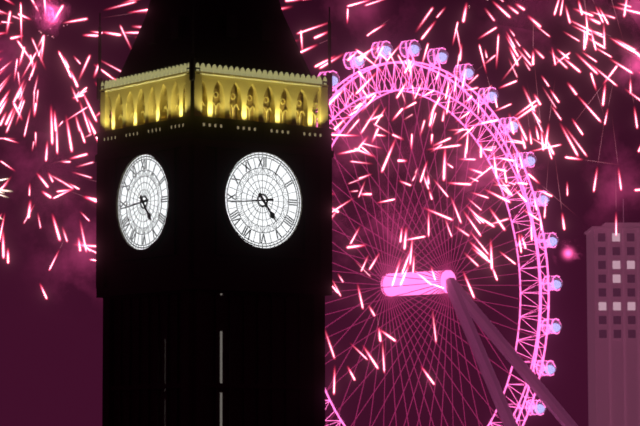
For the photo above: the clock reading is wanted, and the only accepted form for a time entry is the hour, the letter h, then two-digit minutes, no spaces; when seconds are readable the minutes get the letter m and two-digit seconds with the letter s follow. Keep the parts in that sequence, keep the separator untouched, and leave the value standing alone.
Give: 4h44
